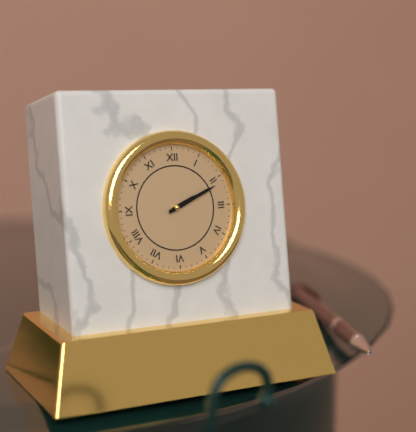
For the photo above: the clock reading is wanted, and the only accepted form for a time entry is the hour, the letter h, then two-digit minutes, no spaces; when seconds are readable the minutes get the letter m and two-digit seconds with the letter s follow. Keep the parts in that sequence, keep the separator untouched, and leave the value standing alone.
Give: 2h11
